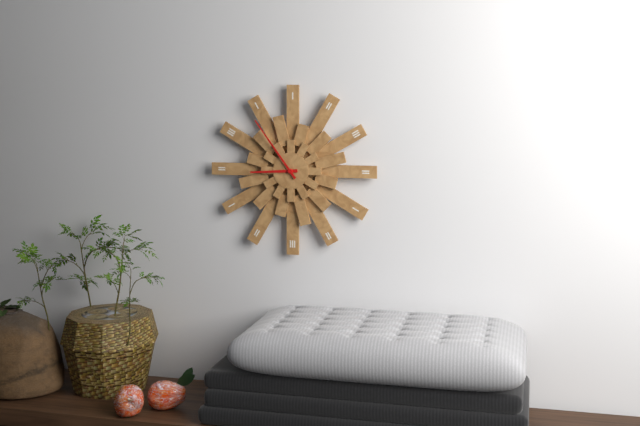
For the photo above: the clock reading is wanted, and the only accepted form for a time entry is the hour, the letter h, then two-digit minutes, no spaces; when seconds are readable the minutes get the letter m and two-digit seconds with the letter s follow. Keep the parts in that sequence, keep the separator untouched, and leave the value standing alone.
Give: 8h54
